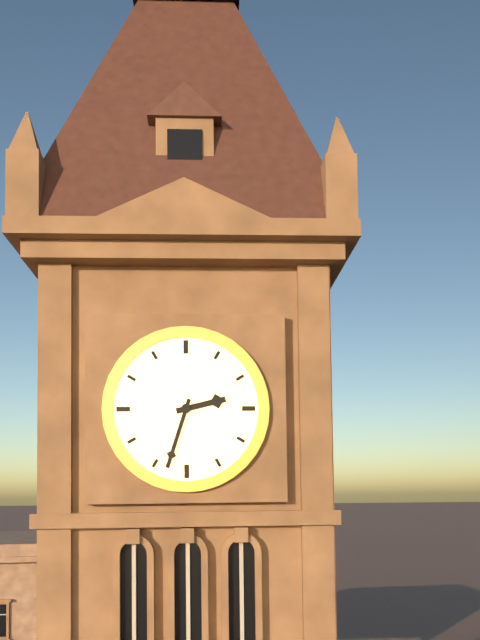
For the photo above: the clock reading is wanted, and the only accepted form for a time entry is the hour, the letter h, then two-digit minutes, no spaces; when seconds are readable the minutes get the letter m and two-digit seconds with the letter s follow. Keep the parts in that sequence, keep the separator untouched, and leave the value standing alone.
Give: 2h33
